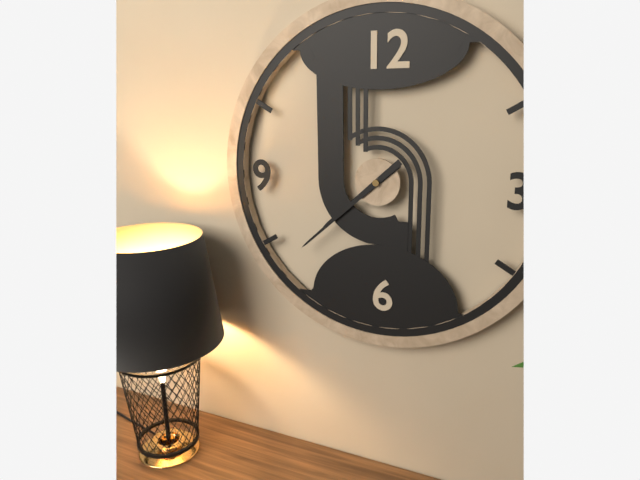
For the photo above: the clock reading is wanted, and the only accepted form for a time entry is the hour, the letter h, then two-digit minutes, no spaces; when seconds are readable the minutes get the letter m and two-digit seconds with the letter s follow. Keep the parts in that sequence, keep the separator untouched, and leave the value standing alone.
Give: 7h38
